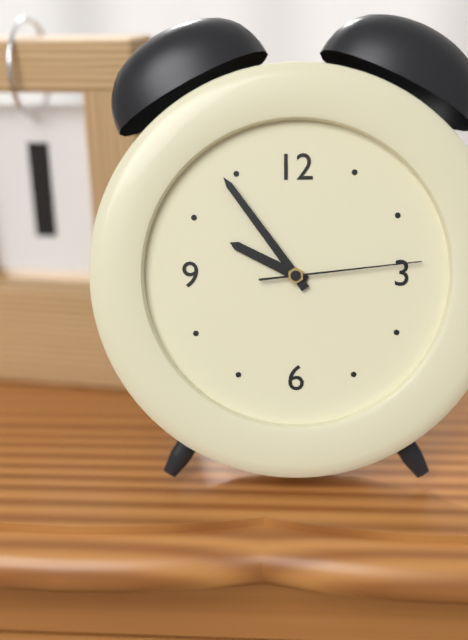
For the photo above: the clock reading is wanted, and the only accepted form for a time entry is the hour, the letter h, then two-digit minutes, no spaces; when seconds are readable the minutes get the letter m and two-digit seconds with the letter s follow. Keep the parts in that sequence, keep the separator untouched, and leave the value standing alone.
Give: 9h54m14s
